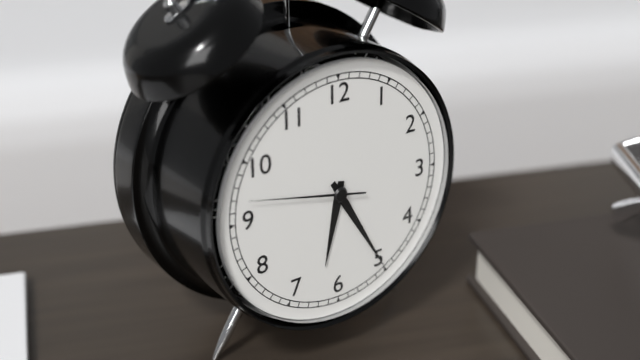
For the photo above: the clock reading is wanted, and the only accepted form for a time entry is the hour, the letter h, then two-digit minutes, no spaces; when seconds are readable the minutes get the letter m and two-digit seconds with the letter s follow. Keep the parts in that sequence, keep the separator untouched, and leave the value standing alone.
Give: 6h25m47s
